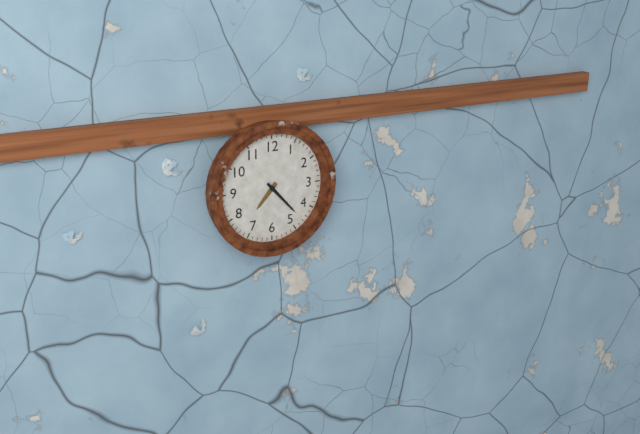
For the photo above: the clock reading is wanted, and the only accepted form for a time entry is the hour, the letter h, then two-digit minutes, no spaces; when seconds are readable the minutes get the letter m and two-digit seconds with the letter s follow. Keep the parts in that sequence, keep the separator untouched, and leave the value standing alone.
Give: 7h23
